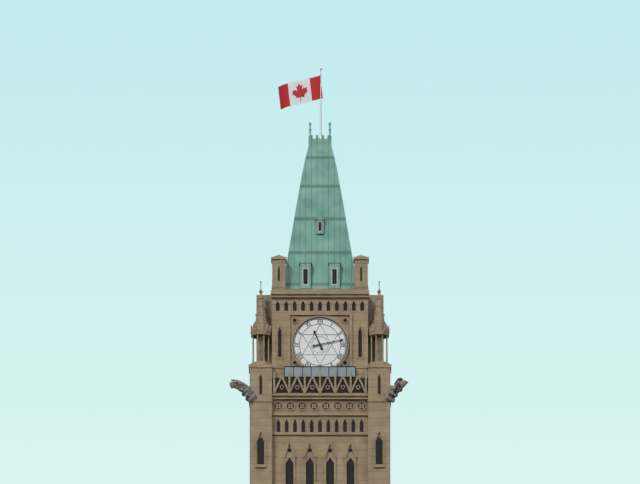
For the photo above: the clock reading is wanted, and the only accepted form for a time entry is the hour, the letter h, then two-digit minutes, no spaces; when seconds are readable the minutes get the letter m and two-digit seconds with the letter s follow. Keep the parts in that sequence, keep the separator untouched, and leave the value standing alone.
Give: 11h13
